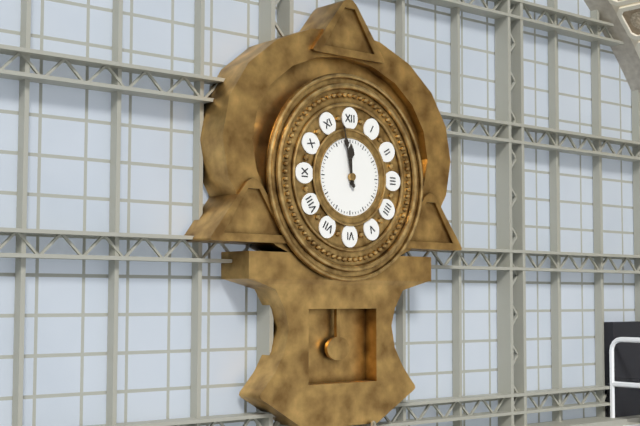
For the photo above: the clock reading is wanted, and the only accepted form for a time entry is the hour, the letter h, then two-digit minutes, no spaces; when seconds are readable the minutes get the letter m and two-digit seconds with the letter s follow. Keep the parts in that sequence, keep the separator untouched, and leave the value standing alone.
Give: 11h58
